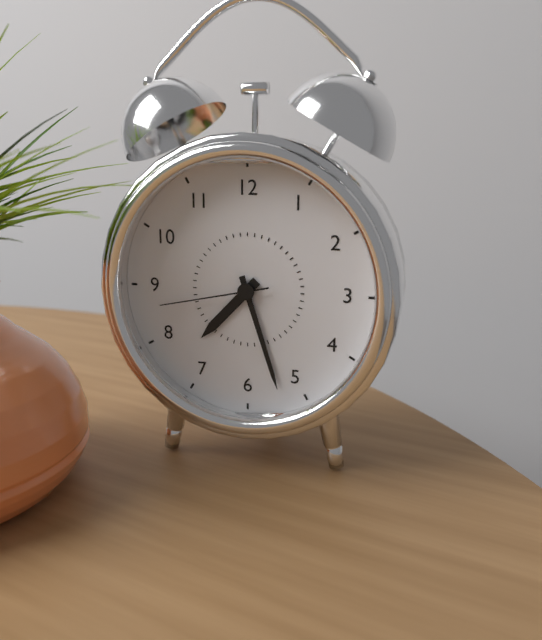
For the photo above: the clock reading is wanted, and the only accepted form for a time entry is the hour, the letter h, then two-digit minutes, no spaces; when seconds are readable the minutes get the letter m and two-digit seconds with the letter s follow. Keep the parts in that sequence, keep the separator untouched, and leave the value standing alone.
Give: 7h27m43s
